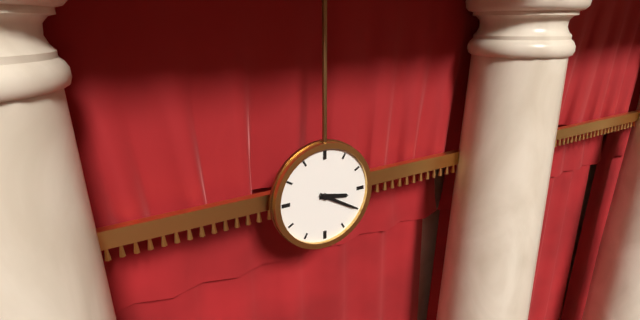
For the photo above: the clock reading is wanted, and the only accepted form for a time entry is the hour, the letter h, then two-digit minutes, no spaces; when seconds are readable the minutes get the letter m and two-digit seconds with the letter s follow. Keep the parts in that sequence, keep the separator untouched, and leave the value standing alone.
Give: 3h20
